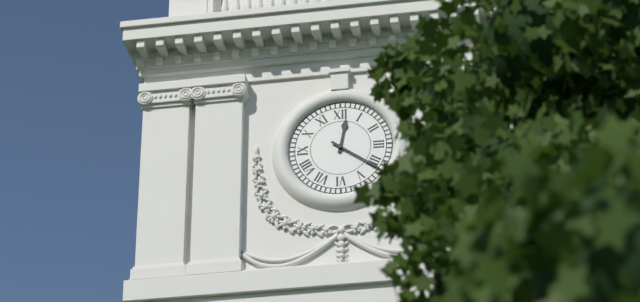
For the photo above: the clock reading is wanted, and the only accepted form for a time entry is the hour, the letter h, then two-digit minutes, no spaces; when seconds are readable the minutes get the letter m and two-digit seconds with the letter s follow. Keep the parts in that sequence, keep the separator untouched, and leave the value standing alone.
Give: 12h21
